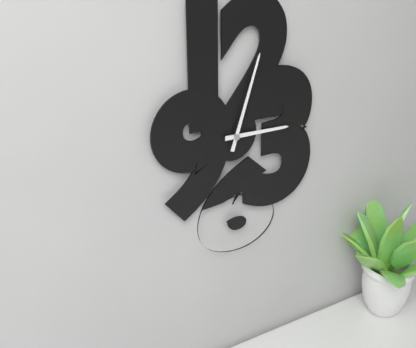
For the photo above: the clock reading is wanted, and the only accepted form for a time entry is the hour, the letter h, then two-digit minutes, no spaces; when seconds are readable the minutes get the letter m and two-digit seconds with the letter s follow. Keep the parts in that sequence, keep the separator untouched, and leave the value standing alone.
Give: 3h03
